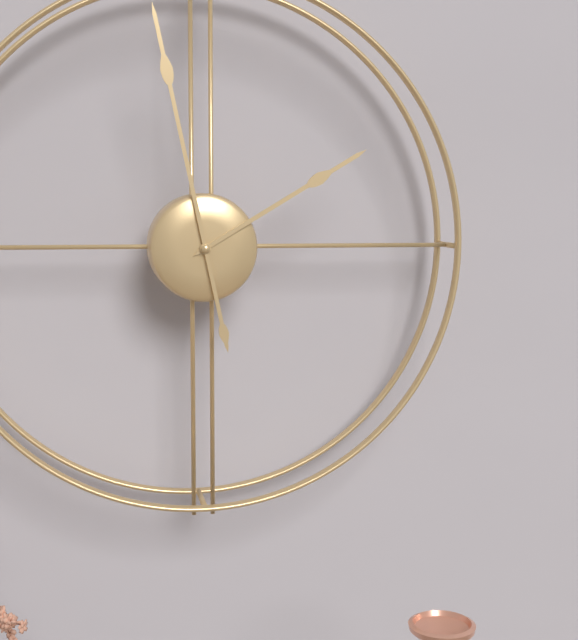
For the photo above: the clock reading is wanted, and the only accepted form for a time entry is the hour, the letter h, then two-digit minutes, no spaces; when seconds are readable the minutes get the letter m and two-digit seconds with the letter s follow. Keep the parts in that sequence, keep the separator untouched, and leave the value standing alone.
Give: 1h58
